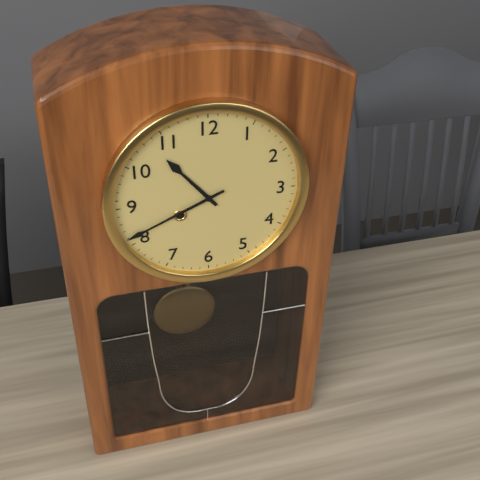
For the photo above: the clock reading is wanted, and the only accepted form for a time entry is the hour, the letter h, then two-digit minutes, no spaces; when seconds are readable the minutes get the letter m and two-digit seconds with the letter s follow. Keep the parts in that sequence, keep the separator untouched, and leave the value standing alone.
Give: 10h41
